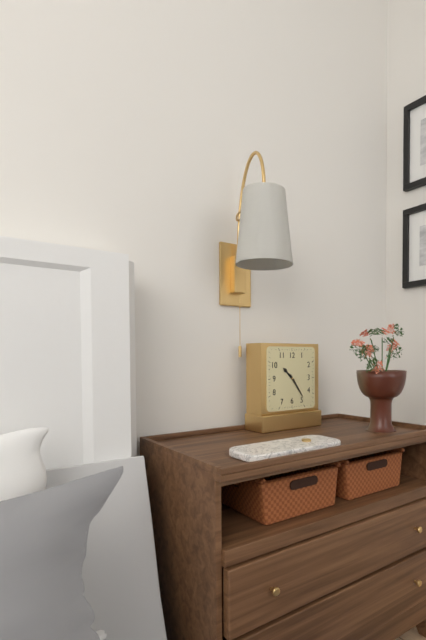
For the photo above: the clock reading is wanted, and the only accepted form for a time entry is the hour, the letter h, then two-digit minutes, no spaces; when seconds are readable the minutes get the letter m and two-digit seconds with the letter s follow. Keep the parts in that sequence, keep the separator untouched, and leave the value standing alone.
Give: 10h24
